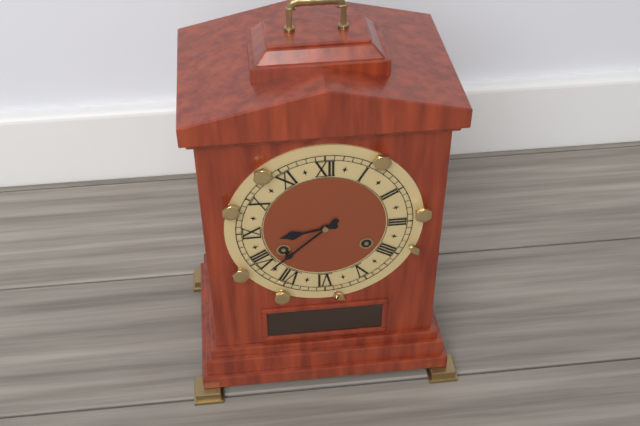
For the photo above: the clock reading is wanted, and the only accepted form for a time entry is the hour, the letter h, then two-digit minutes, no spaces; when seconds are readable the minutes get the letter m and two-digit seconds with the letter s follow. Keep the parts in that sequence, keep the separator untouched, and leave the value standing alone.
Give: 8h38
